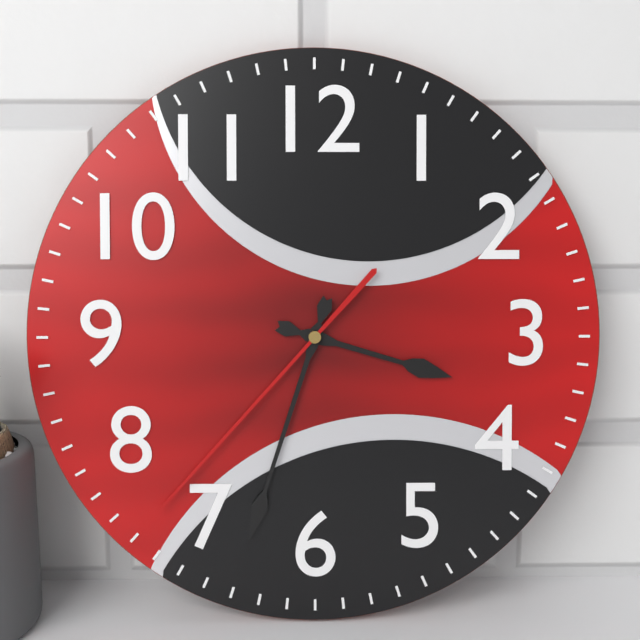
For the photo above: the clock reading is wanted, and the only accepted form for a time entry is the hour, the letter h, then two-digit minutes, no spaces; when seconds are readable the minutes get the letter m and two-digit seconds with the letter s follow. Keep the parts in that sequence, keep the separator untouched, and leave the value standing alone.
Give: 3h33m37s
